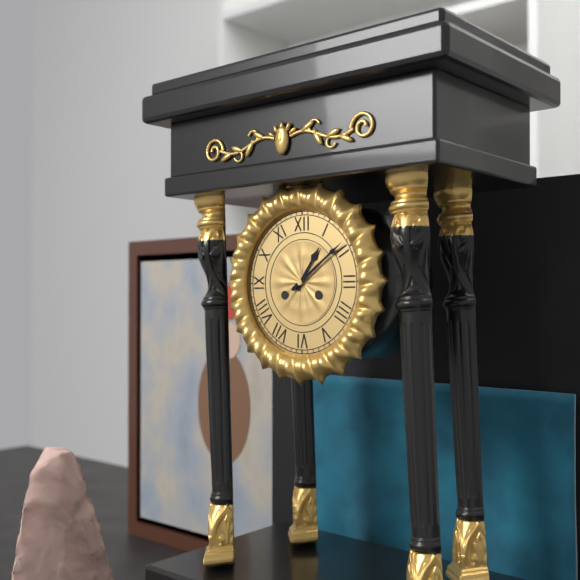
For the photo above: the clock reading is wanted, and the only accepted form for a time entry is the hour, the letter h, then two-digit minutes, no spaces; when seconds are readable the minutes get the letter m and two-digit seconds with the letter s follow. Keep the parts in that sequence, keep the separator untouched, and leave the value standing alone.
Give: 1h09
